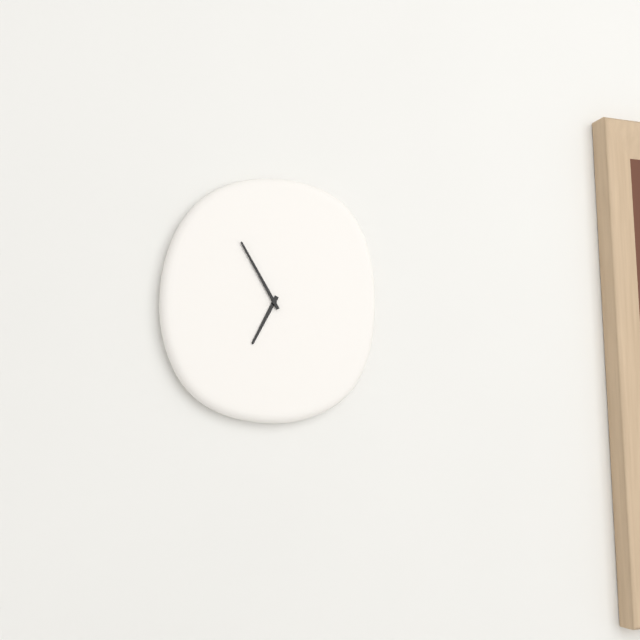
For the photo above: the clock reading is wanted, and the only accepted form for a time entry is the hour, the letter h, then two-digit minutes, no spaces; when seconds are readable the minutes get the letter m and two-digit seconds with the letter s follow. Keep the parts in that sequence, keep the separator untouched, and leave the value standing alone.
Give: 6h55
